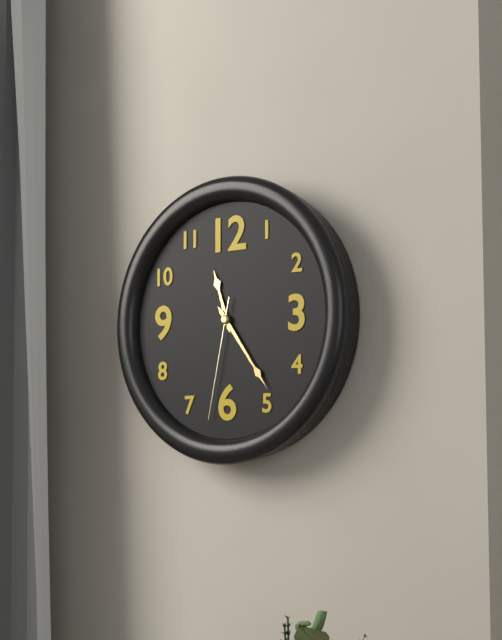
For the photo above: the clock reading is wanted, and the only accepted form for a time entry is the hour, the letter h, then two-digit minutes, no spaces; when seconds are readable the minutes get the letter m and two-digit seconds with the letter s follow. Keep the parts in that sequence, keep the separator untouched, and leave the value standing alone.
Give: 11h24m32s
